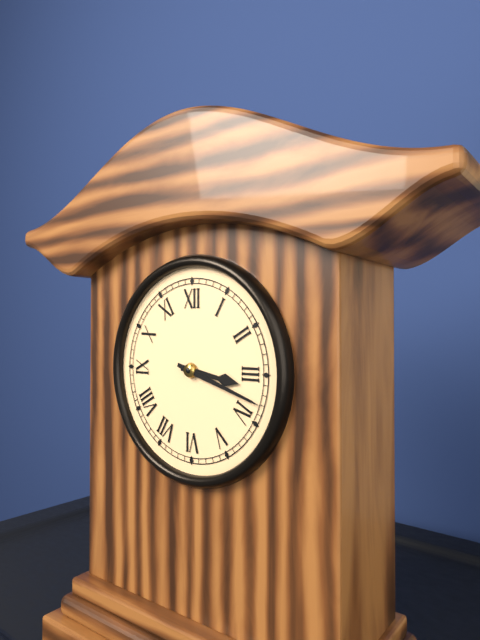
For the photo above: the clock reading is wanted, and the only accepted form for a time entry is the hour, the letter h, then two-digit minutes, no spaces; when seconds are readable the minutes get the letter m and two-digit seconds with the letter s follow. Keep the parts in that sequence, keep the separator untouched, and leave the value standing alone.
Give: 3h18
